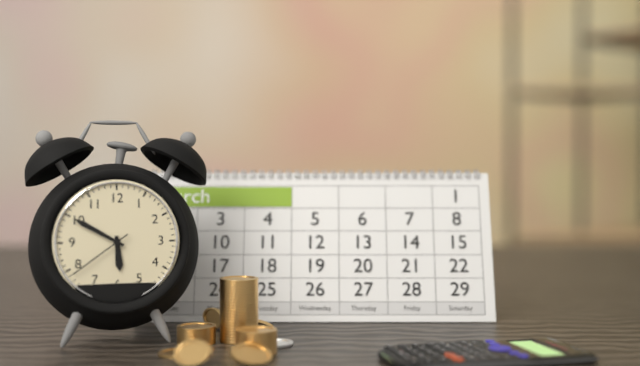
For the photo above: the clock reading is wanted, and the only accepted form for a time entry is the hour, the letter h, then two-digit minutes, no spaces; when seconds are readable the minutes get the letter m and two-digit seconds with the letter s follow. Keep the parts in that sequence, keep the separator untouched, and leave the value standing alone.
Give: 5h50m39s
